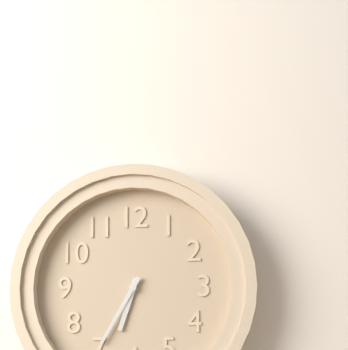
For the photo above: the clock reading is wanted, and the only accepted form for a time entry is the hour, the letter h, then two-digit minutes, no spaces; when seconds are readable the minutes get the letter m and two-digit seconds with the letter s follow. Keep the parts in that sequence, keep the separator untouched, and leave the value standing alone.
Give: 6h35
